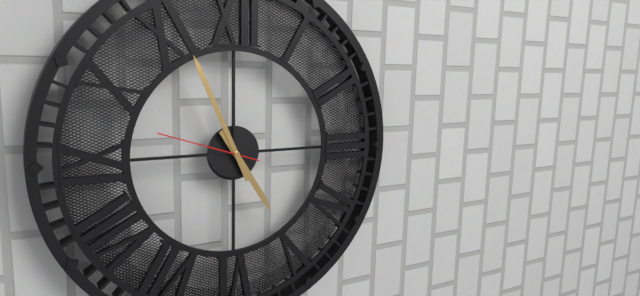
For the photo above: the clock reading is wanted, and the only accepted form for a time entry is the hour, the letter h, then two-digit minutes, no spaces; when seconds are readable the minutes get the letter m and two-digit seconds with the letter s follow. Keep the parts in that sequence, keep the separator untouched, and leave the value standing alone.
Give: 4h56m48s
